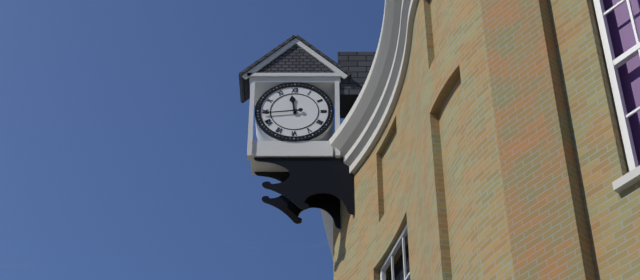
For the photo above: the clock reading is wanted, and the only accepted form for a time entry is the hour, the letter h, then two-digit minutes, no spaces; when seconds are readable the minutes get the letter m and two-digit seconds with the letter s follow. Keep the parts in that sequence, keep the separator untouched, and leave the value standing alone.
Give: 11h44
